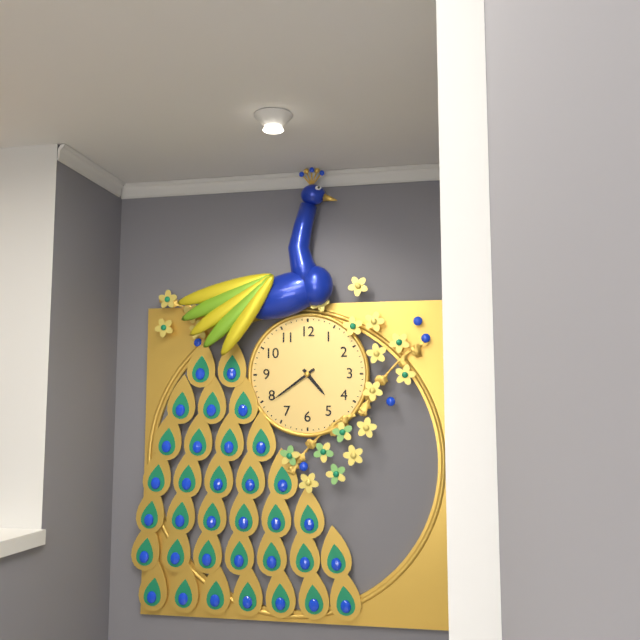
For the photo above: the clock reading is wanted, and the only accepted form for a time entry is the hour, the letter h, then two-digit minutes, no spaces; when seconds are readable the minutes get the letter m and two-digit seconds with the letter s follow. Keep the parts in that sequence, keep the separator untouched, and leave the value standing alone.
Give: 4h39
